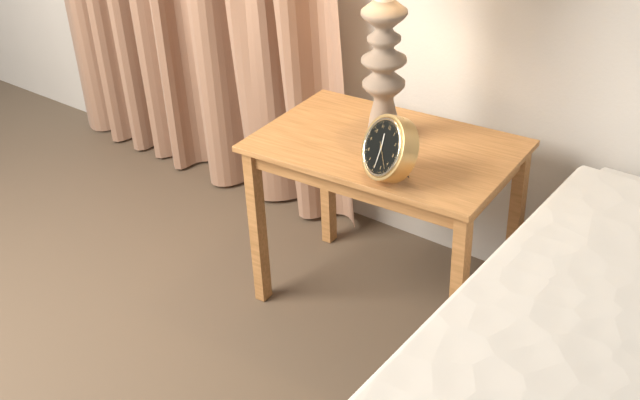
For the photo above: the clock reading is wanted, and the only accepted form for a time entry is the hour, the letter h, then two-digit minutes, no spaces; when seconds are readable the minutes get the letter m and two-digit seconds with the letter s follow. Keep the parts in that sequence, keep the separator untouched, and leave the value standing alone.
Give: 11h29
